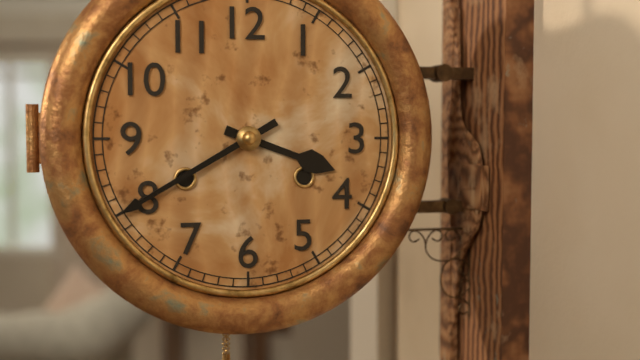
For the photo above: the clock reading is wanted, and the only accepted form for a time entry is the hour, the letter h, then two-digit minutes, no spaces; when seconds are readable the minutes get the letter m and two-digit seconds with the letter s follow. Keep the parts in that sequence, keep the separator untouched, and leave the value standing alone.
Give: 3h40
